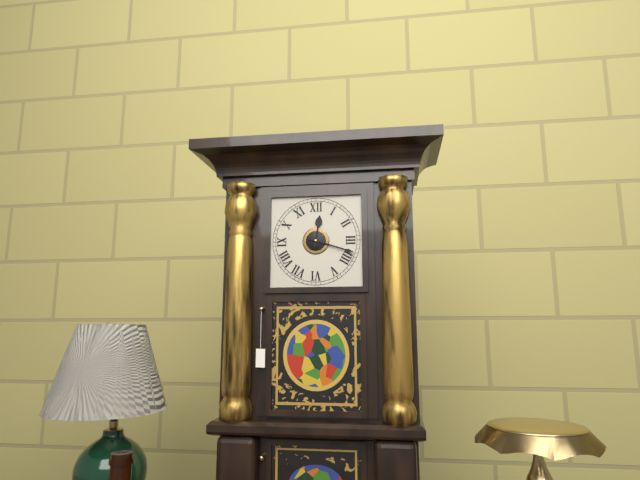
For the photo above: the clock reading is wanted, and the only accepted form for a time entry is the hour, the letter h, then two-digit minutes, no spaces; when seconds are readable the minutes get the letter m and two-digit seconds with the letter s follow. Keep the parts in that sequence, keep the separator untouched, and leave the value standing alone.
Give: 12h18
